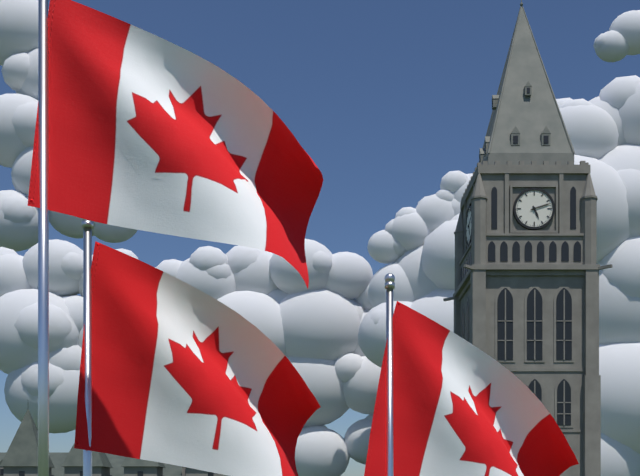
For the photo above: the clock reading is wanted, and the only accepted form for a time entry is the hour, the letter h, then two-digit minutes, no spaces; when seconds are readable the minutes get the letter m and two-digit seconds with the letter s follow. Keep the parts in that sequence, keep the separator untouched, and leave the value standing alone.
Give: 5h12
